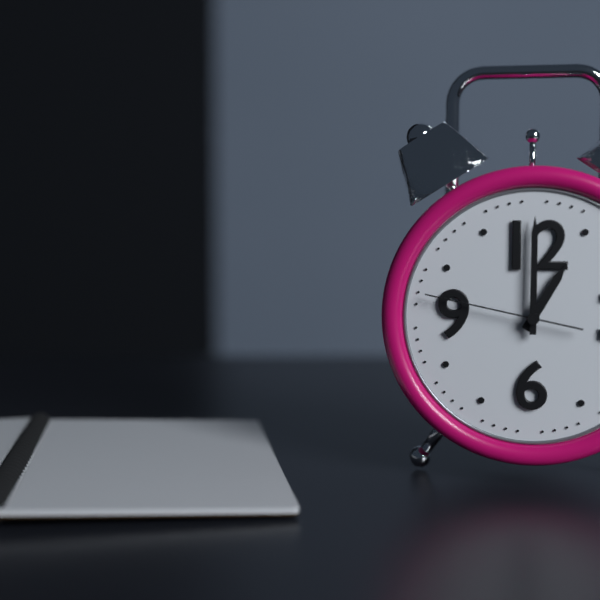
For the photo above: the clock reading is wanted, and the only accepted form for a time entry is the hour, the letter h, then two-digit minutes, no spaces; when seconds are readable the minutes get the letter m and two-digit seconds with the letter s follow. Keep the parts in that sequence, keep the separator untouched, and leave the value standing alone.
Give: 1h00m47s
